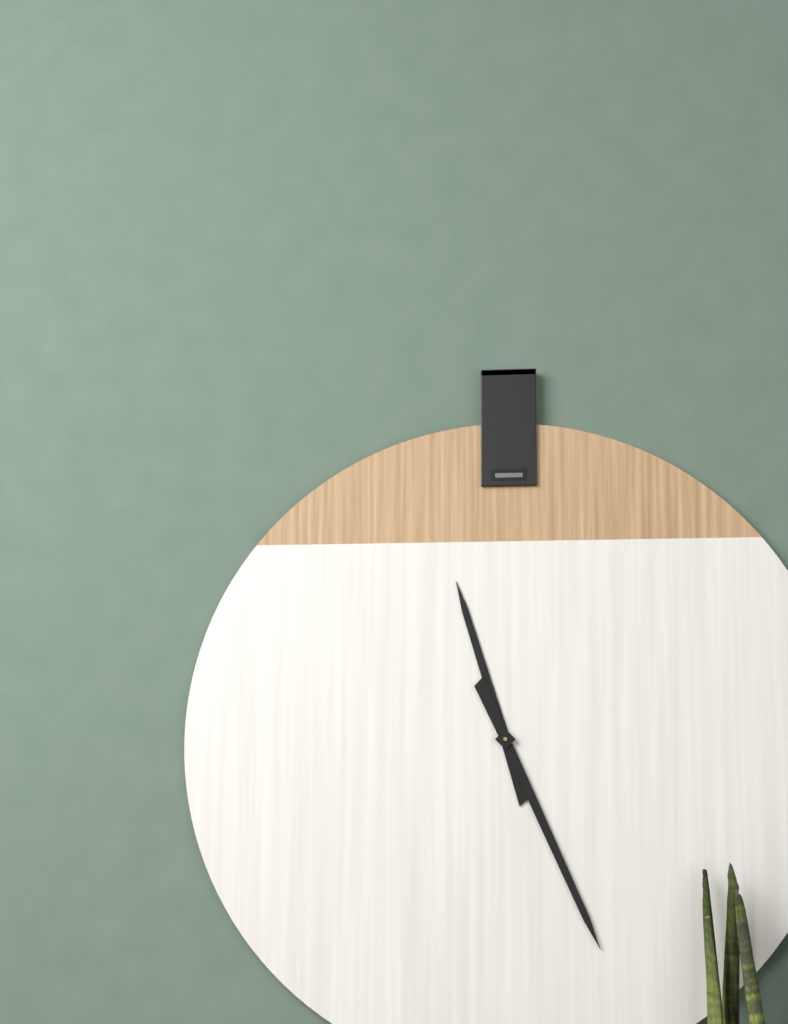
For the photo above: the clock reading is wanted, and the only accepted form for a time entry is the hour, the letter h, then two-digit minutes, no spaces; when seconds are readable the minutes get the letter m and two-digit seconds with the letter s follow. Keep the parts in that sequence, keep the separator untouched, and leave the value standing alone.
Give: 11h26
